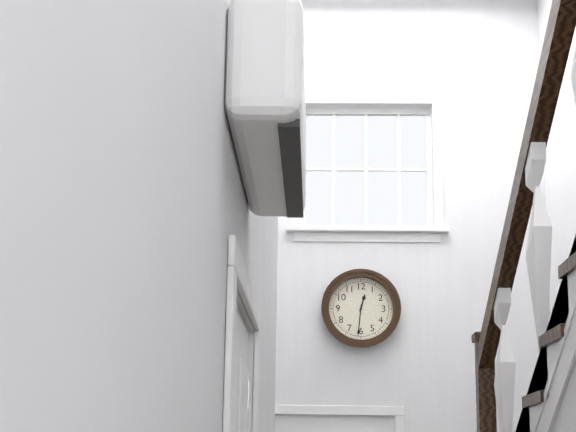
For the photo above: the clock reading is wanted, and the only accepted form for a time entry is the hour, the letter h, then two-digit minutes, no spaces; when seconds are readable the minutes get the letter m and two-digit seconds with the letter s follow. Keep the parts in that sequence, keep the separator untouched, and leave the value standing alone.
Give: 12h31
